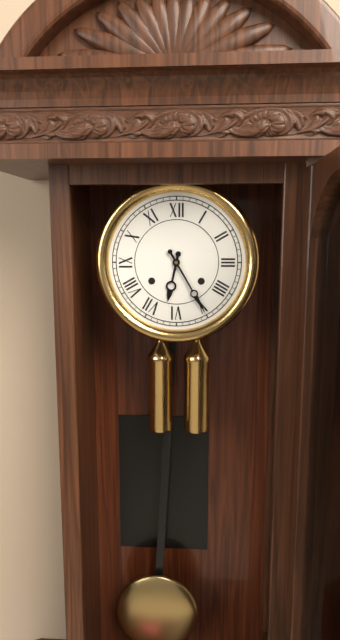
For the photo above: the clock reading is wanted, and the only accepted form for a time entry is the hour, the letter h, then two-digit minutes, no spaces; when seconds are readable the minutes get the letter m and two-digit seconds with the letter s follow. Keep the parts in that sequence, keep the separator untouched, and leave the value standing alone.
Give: 6h25
